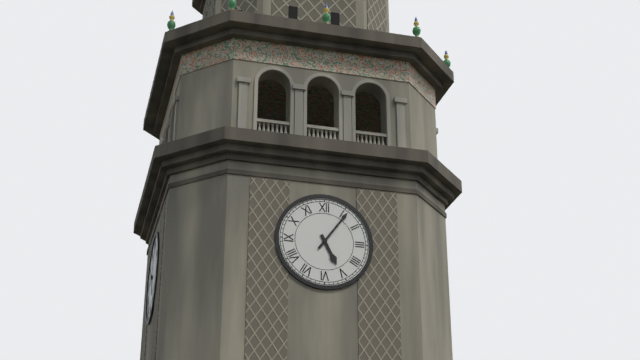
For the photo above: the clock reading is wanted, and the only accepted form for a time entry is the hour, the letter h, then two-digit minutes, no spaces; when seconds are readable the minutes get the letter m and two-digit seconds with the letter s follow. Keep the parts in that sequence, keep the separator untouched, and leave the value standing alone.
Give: 5h06
